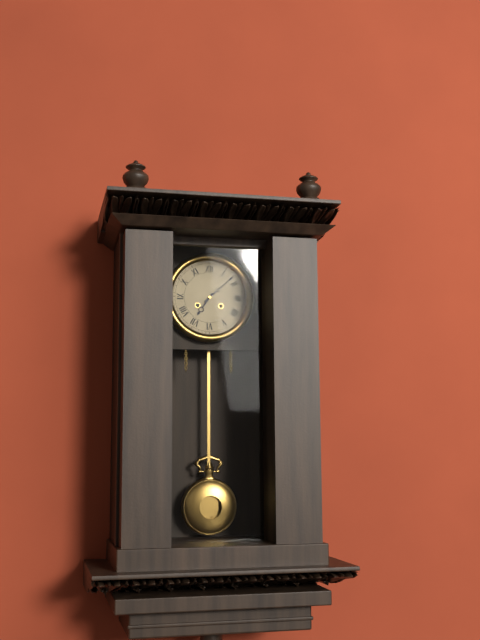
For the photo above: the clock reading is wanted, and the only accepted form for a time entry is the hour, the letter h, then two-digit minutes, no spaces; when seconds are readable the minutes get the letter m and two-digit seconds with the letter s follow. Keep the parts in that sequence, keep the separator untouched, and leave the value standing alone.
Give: 7h08
